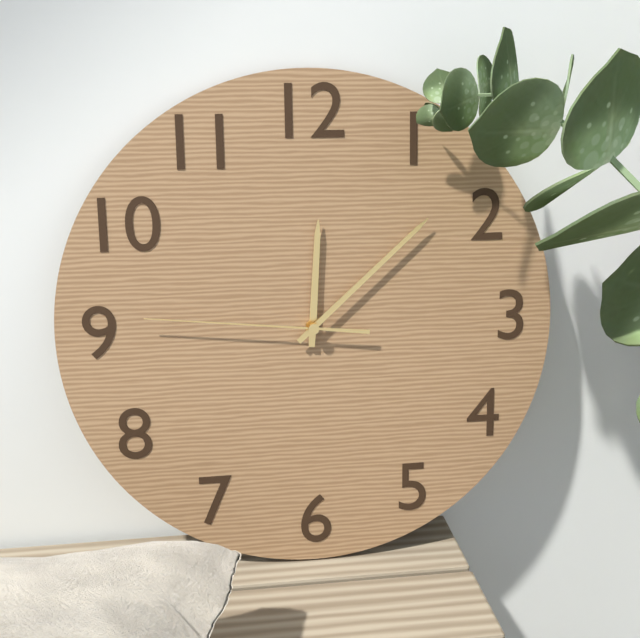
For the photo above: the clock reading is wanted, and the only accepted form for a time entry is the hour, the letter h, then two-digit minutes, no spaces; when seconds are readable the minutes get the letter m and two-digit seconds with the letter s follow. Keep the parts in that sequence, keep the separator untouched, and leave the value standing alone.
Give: 12h08m46s
